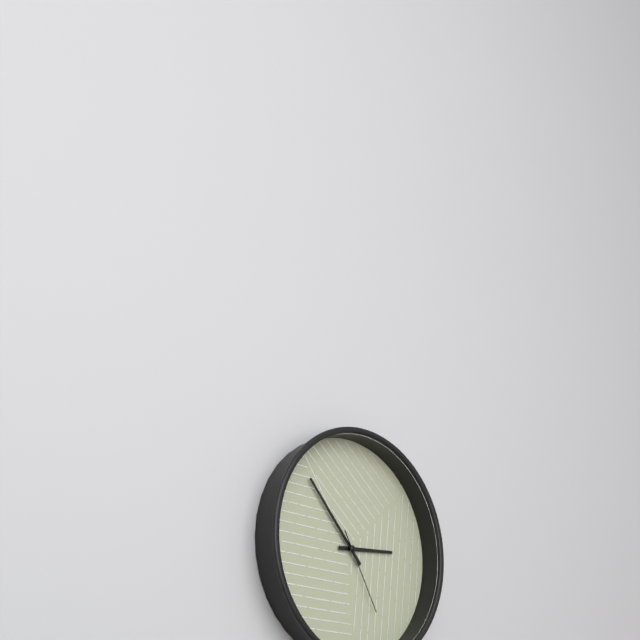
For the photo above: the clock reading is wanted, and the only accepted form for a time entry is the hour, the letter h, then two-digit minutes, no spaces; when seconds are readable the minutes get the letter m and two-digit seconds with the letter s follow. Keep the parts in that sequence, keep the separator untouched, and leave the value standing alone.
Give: 2h53m25s
